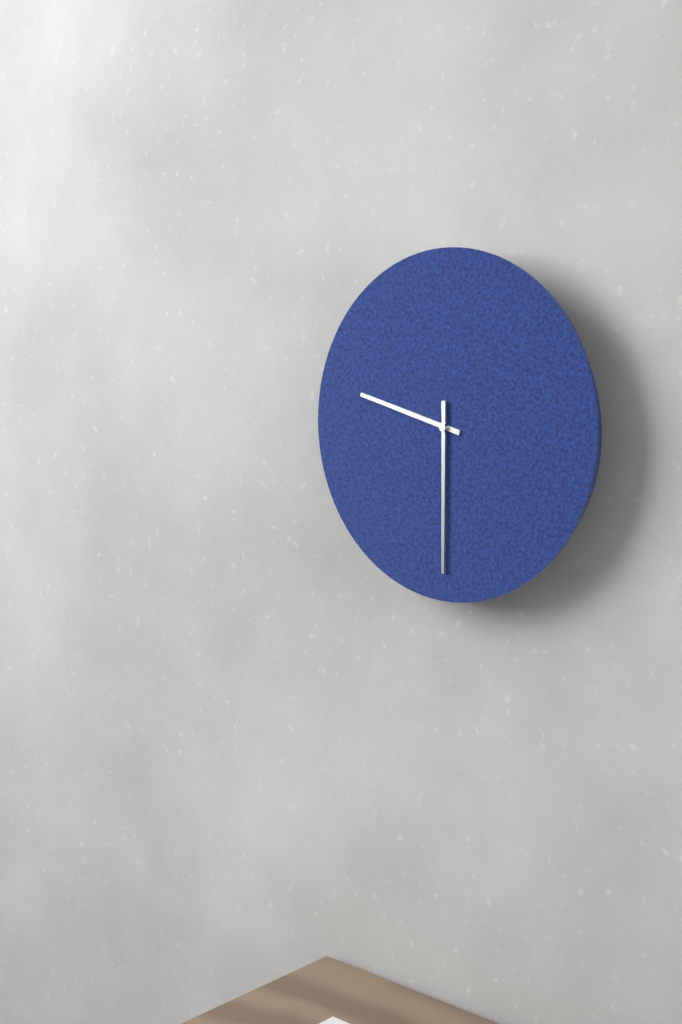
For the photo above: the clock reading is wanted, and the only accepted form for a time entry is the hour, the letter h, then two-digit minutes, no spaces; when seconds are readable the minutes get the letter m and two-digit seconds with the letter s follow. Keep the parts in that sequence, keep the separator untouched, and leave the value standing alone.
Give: 9h30
